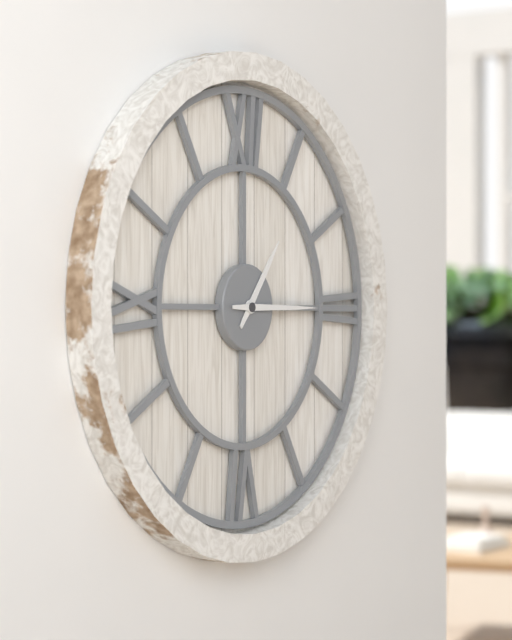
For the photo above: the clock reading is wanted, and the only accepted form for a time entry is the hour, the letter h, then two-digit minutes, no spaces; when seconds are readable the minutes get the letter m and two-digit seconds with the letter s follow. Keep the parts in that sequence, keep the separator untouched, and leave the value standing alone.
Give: 1h15
